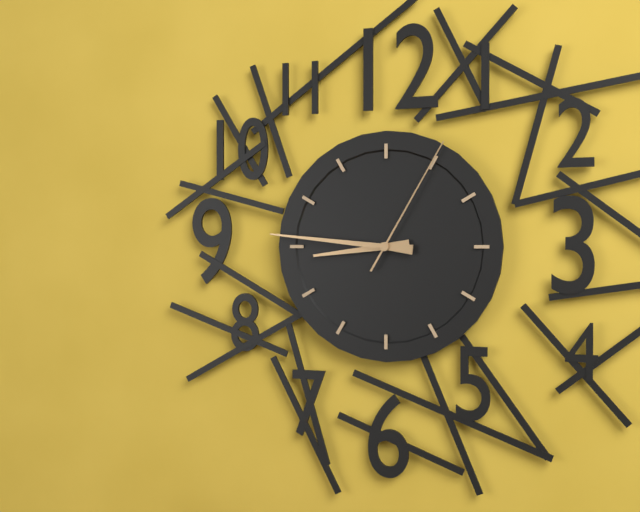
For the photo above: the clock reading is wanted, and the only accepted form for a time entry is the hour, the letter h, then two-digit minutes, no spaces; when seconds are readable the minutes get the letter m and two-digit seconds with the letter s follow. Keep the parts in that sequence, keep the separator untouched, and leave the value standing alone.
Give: 8h46m05s
